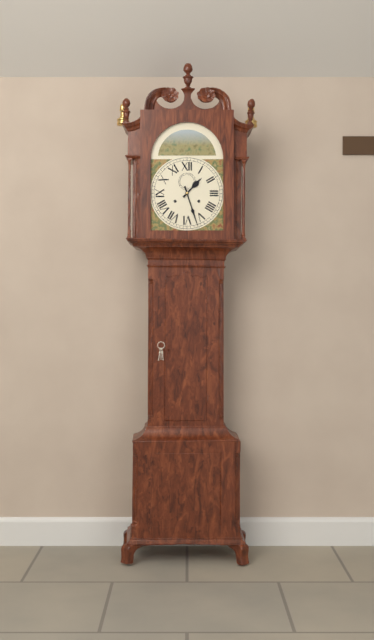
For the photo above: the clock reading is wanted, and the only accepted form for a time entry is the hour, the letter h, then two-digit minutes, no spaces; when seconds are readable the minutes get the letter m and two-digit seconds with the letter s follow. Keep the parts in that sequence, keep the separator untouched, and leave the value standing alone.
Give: 1h27
